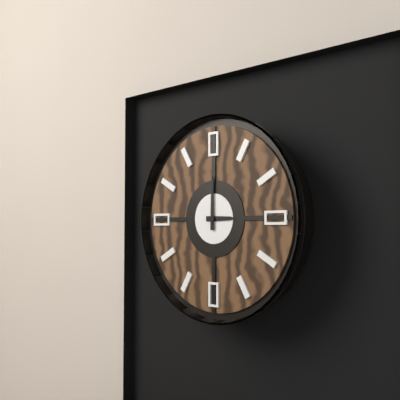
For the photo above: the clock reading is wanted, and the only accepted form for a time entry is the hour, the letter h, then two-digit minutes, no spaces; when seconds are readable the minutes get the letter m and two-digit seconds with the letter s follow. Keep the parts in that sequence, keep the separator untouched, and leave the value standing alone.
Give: 3h00
